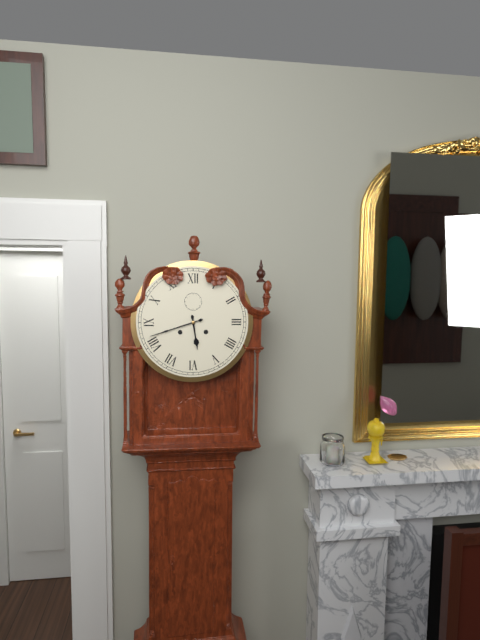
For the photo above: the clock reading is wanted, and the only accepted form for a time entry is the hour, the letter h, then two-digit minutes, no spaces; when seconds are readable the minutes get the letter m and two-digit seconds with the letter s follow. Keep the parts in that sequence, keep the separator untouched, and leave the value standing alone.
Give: 5h42
